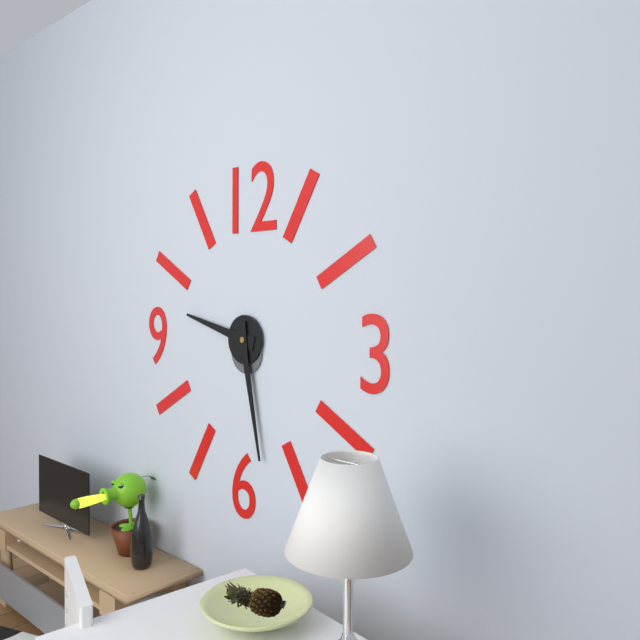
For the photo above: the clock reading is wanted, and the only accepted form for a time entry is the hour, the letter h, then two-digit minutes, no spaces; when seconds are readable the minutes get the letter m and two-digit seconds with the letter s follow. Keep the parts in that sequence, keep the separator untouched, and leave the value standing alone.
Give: 9h28
